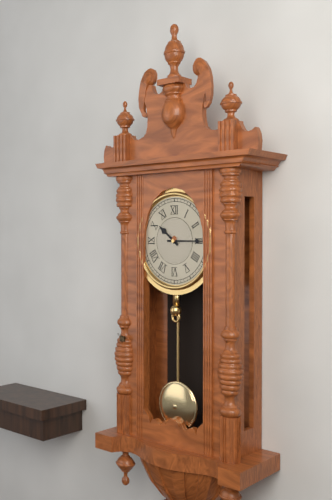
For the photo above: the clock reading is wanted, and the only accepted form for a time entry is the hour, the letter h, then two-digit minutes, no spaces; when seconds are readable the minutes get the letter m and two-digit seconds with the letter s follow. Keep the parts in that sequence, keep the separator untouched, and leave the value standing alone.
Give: 10h15
